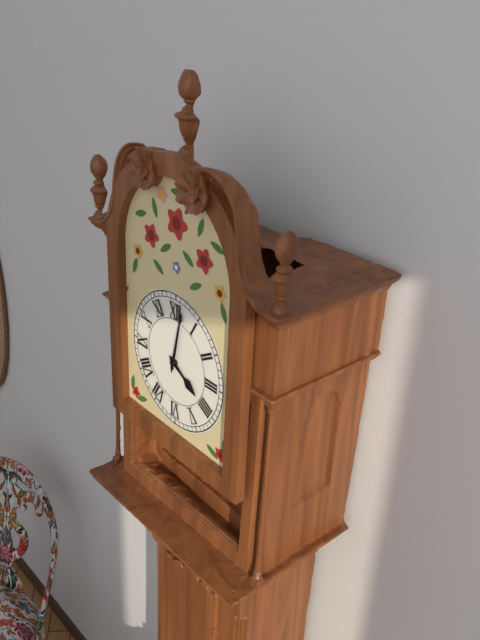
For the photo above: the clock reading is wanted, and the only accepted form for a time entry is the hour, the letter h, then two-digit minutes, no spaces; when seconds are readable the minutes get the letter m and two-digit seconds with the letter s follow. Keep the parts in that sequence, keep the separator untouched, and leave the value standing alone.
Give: 4h02
